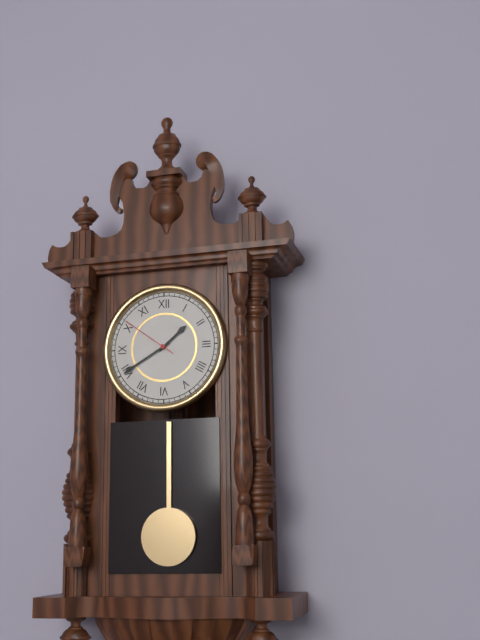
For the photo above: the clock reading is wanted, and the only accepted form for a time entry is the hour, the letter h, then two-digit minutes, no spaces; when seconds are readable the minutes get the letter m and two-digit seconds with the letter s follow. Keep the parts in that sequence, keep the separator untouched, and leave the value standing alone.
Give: 1h40m51s
